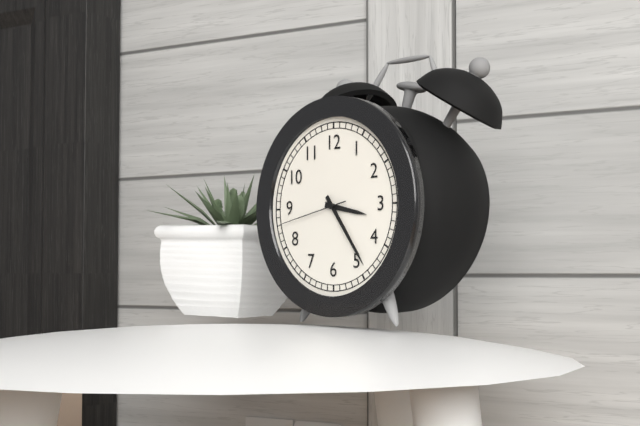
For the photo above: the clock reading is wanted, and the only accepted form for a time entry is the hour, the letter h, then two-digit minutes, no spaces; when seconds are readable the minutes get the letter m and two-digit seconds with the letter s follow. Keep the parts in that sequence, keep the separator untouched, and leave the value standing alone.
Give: 3h24m43s
